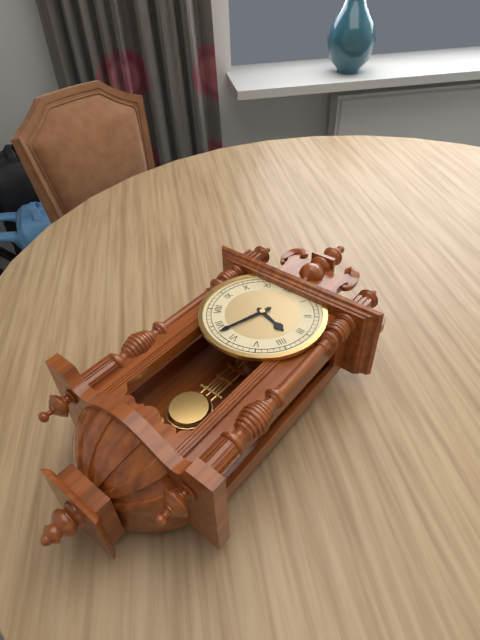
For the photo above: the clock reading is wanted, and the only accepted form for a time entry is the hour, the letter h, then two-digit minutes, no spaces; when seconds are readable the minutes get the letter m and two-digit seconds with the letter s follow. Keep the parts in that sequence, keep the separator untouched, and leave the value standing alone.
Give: 3h33
